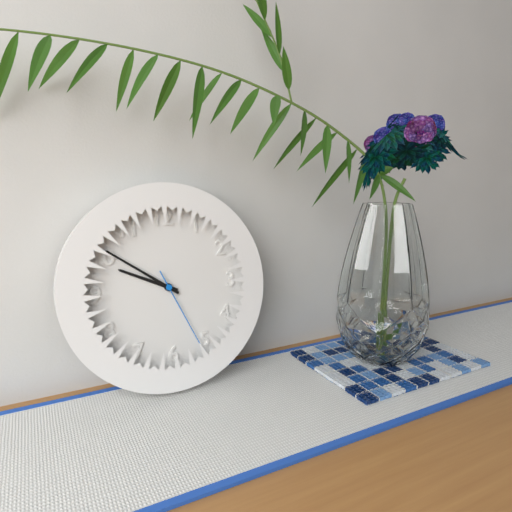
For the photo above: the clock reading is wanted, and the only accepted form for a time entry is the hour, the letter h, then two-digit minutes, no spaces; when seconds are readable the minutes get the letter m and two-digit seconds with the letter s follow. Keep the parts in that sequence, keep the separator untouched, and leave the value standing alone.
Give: 9h51m26s
